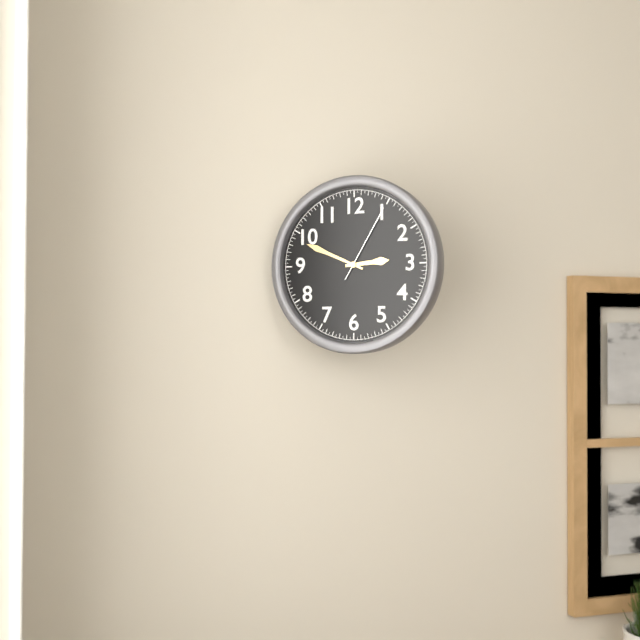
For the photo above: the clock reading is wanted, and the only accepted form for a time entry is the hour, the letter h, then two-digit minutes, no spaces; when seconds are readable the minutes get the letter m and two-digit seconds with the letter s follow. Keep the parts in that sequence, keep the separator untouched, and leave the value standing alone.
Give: 2h49m05s
